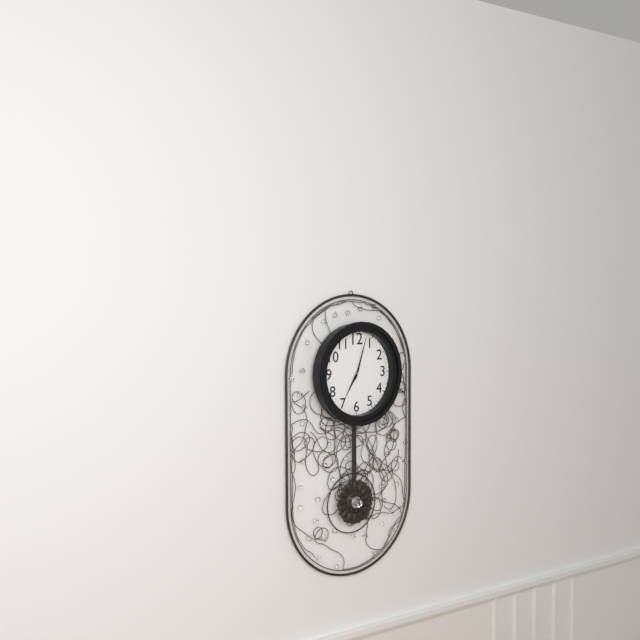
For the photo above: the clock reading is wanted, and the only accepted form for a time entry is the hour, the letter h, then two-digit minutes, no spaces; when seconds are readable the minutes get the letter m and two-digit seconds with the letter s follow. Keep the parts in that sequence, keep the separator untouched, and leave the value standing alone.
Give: 7h03
